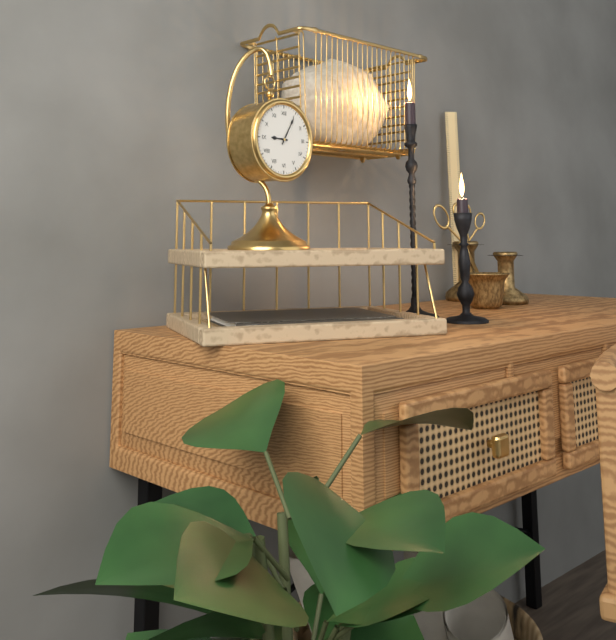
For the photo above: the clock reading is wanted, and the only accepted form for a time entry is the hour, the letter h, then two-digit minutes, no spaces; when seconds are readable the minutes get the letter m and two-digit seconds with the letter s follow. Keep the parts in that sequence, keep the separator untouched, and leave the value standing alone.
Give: 9h05
